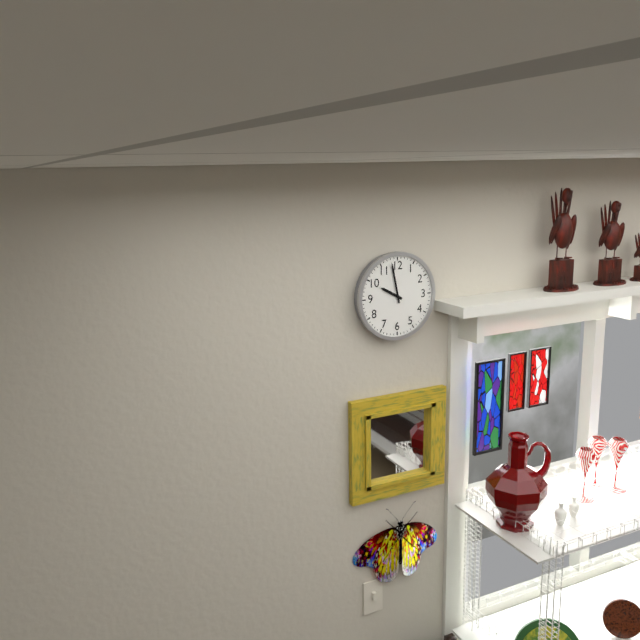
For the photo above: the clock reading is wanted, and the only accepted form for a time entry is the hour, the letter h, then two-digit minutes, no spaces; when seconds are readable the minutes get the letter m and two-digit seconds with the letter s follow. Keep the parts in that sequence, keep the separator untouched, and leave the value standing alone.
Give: 9h58
